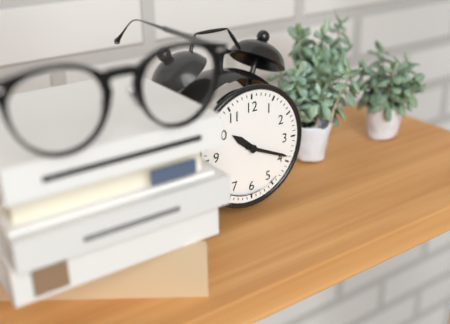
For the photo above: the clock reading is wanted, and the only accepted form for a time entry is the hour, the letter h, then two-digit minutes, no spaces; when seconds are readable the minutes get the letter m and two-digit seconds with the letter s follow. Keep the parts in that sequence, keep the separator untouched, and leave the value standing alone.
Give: 10h19
